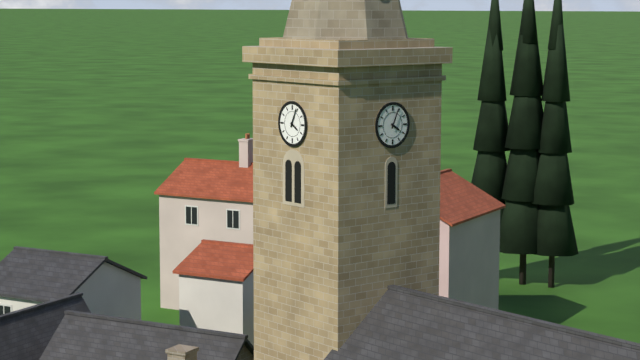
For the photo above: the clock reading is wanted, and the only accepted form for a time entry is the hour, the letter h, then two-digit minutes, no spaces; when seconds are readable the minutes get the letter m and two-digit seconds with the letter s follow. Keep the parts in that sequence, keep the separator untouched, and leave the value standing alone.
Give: 4h04
